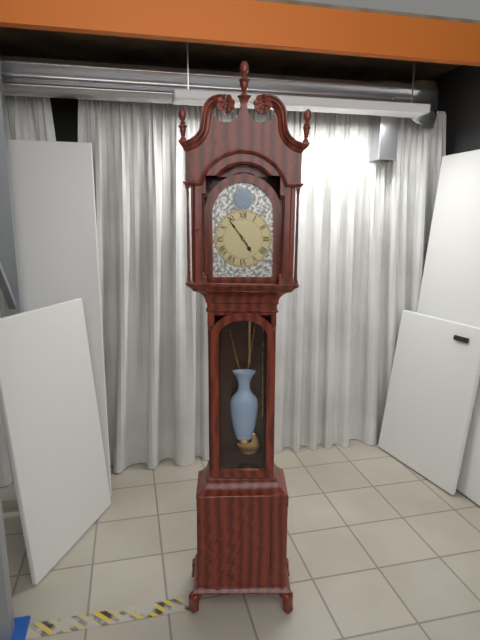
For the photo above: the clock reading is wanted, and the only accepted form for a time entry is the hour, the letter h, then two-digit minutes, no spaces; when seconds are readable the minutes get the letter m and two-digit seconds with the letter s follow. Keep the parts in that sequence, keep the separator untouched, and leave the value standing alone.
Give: 4h54
